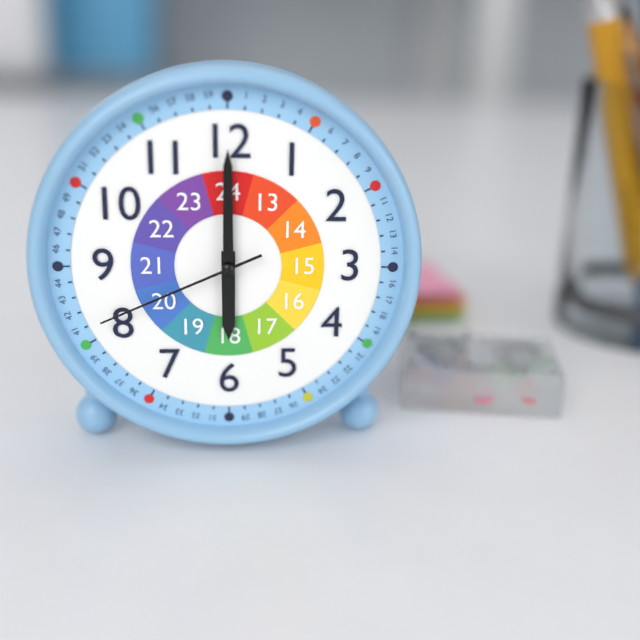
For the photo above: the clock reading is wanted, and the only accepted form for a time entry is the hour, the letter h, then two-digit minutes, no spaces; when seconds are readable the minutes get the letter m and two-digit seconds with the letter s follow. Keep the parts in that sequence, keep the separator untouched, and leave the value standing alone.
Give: 6h00m41s
